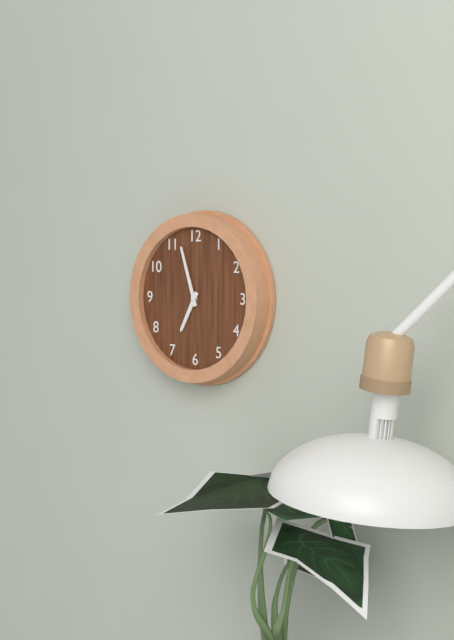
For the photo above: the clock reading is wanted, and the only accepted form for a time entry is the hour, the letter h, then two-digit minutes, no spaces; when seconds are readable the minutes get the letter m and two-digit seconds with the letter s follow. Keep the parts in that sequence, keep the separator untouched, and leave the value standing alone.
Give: 6h57
